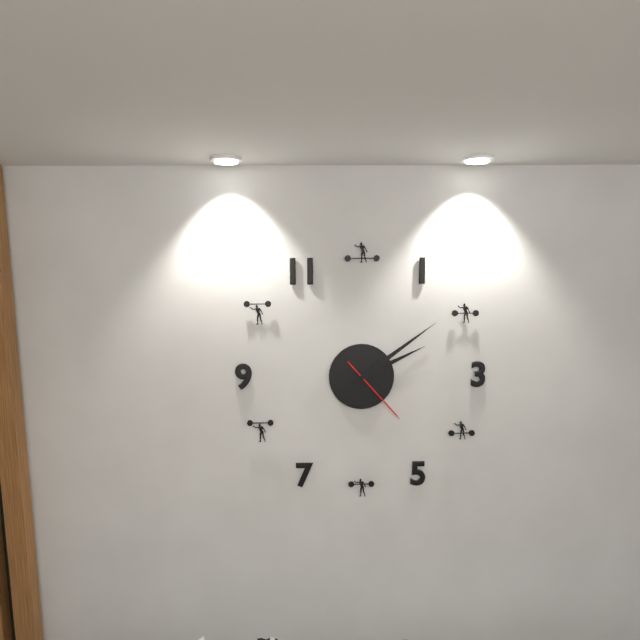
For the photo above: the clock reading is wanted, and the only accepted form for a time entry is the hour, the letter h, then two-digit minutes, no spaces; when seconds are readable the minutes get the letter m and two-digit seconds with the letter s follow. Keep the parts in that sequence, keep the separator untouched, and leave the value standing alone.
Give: 2h09m23s
